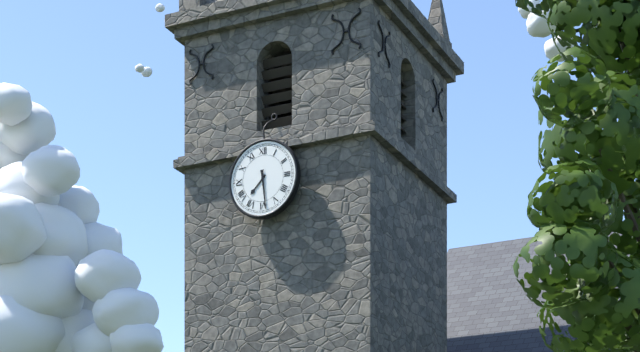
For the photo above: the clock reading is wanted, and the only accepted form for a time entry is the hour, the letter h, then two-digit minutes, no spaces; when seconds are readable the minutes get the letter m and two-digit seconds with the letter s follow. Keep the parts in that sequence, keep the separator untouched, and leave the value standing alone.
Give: 7h29
